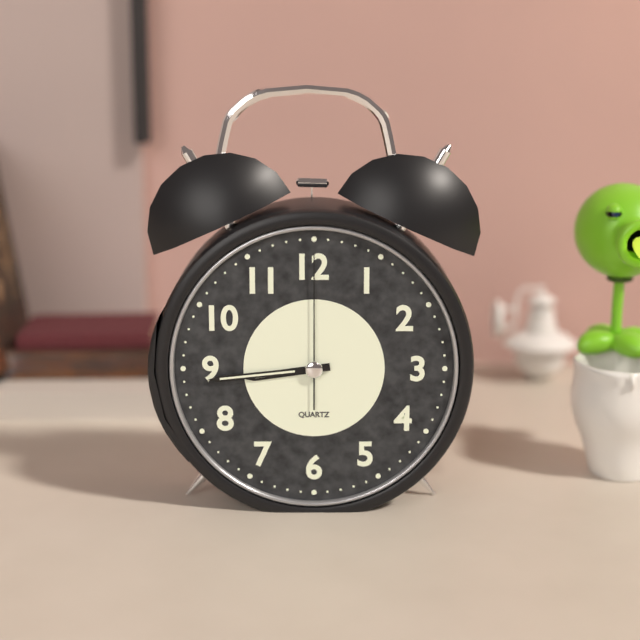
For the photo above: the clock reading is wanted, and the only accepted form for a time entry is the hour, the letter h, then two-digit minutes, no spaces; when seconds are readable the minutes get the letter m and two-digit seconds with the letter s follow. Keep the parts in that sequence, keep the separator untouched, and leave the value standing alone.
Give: 8h44m00s
